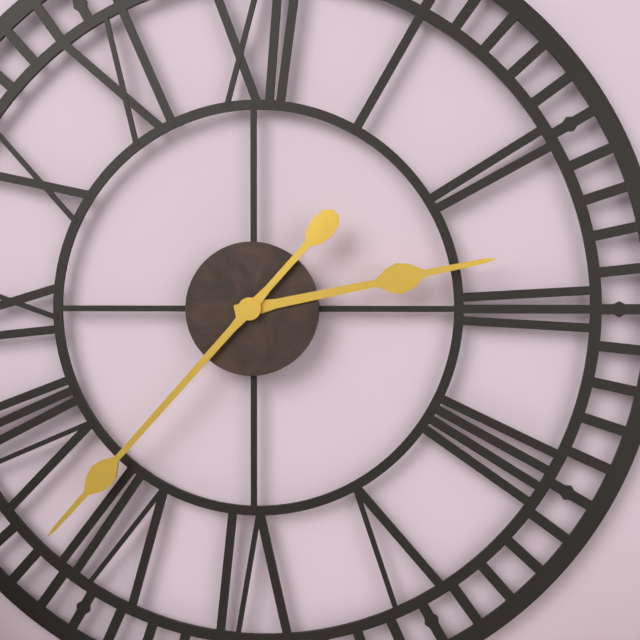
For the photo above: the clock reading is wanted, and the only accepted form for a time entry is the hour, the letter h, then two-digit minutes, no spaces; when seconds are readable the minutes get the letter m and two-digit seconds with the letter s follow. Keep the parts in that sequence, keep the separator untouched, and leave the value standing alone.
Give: 2h37
